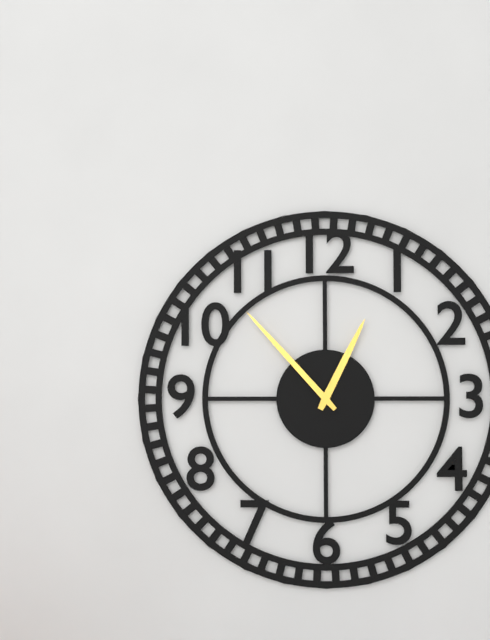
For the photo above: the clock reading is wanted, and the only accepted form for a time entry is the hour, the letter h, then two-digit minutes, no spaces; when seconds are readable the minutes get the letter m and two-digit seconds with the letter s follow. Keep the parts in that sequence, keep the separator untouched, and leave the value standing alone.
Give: 12h53
